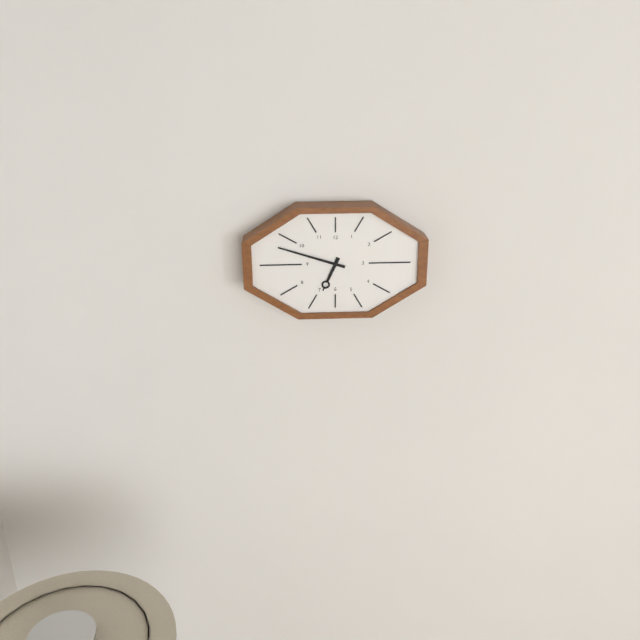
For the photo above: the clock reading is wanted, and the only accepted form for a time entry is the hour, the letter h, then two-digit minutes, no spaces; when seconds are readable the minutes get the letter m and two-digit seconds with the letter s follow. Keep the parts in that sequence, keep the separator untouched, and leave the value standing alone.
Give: 6h48
